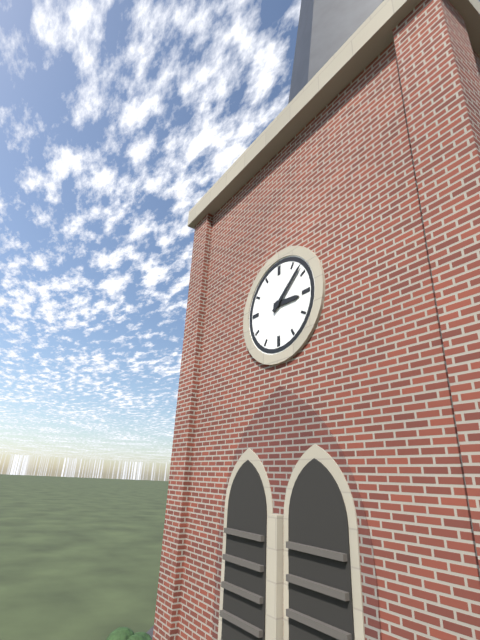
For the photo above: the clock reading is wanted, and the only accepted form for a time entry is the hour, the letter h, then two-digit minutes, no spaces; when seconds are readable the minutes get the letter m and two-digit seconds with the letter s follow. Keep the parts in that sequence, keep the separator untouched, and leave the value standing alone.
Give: 3h08
